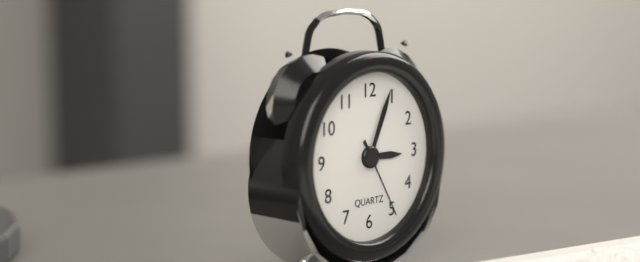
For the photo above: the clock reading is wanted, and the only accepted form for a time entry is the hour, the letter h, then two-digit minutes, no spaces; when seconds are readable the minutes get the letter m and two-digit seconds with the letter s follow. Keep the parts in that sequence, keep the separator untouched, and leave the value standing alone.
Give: 3h04m25s
